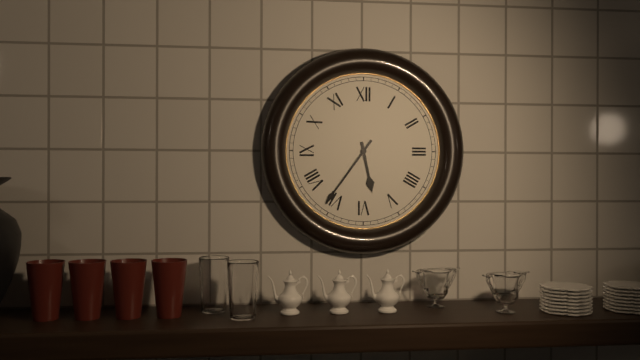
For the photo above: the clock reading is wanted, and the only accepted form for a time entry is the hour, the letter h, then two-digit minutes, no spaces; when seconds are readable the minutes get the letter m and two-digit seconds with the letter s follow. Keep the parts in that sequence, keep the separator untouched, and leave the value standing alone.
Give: 5h36
